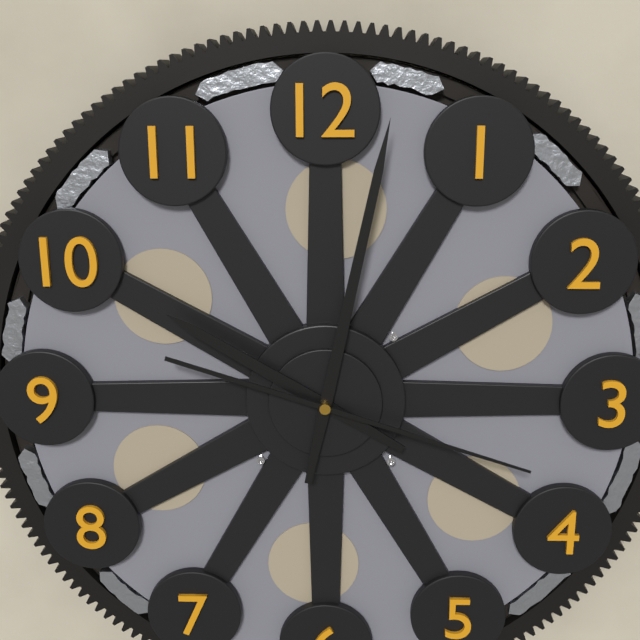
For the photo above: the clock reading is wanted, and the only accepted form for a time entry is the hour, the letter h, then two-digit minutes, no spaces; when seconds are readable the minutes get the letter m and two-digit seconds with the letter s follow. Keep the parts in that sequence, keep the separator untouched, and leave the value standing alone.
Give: 10h02m18s
